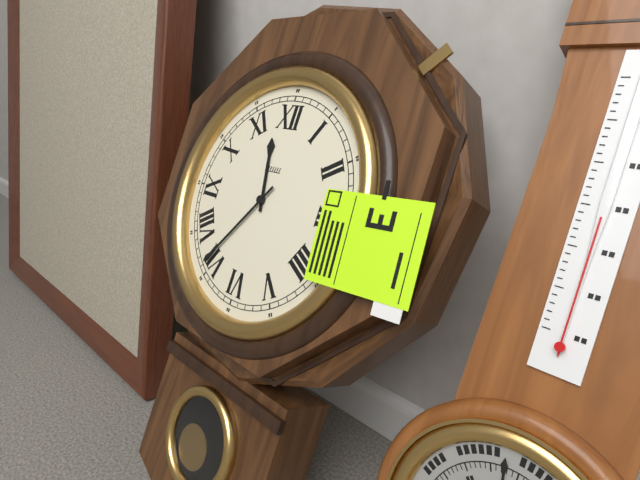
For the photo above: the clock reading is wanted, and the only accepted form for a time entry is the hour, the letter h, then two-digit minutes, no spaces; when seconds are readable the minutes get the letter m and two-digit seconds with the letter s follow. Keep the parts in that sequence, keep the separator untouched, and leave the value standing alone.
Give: 11h36
